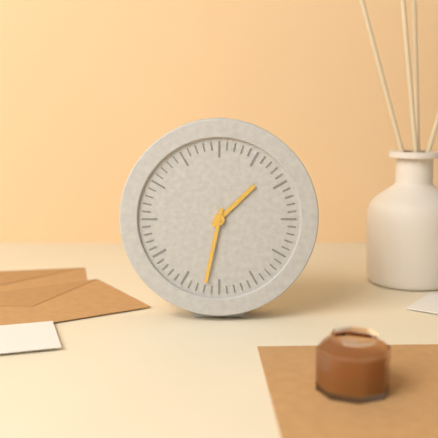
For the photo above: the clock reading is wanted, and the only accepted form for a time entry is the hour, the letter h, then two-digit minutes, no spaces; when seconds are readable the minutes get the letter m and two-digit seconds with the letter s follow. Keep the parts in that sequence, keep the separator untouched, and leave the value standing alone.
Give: 1h32
